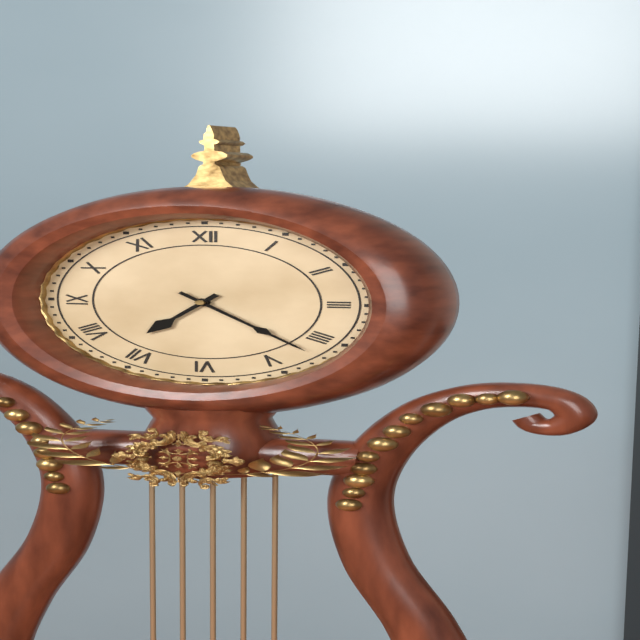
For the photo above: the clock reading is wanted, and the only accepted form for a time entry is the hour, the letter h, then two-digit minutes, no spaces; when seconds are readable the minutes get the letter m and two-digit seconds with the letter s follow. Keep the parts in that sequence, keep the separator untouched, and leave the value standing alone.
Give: 7h22
